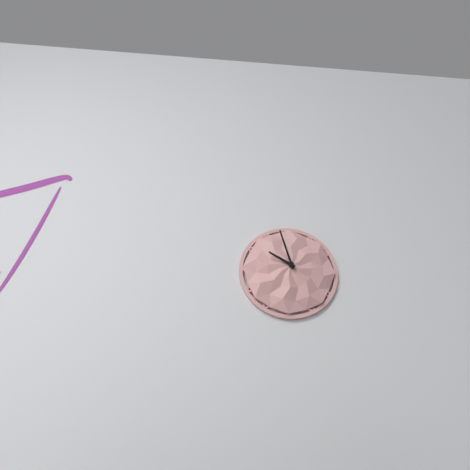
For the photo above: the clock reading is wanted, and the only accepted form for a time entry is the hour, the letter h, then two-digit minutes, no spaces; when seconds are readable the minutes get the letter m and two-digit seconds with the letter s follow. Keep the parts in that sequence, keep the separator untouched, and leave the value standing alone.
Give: 9h57
